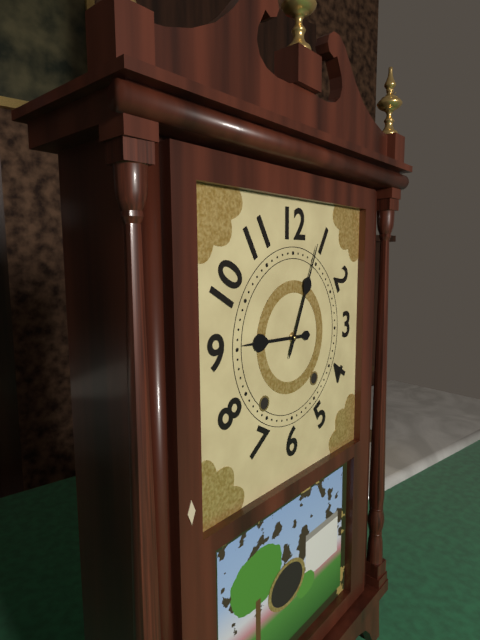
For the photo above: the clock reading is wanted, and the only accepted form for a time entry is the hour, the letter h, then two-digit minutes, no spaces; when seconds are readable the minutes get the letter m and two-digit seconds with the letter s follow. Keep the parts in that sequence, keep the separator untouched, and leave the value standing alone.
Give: 9h04
